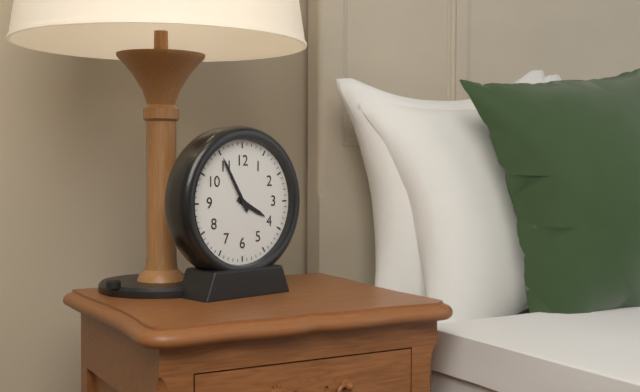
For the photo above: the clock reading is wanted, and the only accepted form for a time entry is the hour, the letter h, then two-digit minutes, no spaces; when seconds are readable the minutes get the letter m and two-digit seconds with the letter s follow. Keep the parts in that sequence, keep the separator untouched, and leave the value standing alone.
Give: 3h55
